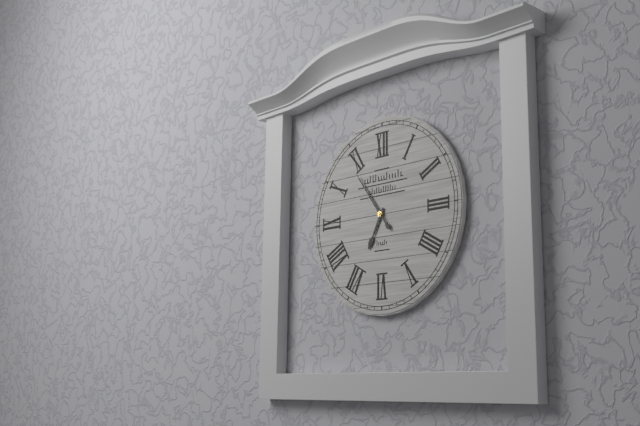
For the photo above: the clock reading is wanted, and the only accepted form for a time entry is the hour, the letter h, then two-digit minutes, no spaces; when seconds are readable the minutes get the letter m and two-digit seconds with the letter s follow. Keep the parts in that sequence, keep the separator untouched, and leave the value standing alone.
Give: 6h54
